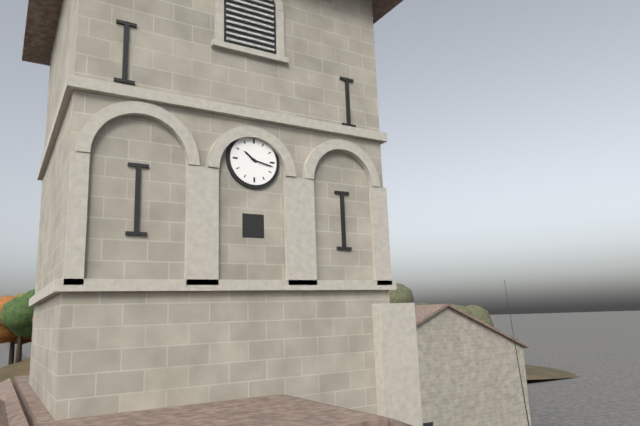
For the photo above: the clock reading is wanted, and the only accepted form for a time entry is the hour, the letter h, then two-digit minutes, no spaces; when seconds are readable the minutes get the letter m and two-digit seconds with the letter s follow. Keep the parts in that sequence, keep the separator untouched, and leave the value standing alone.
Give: 10h17
